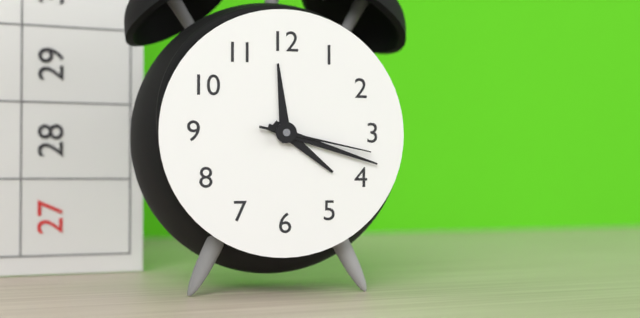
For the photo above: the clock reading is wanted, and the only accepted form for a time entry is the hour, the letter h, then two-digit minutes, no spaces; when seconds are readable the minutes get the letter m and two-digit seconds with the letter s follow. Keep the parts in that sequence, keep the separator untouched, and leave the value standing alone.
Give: 4h18m17s
